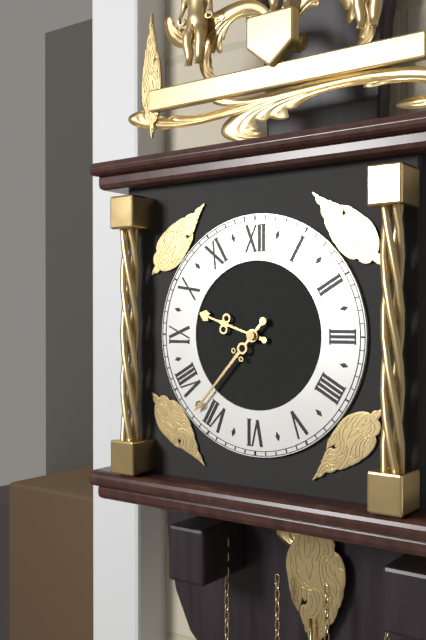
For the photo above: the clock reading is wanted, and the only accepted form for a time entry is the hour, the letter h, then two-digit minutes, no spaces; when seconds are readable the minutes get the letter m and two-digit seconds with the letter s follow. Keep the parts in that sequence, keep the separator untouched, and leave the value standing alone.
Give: 9h37
